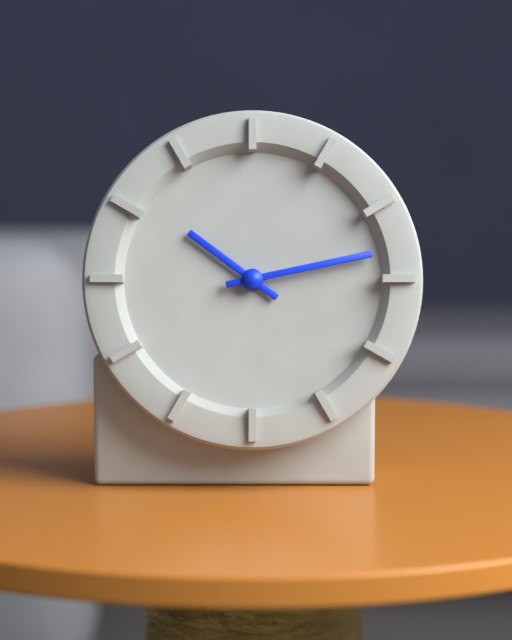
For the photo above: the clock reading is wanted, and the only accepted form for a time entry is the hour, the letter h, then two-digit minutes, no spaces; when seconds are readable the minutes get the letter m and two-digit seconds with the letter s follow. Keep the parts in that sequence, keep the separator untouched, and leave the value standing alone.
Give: 10h13
